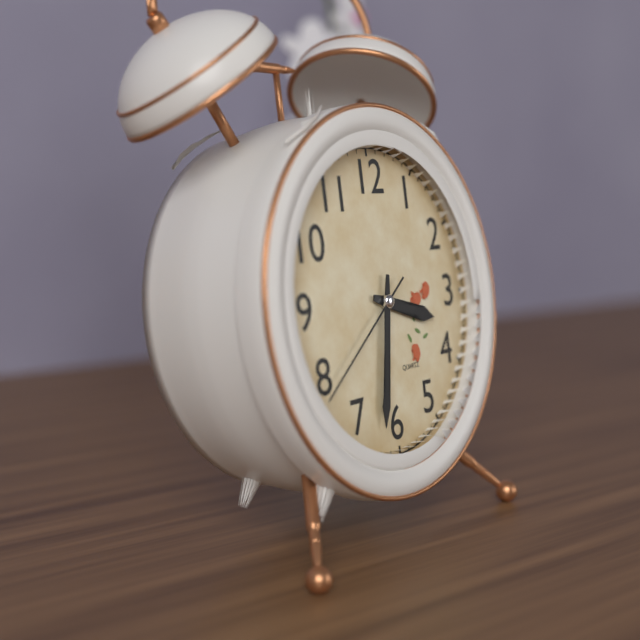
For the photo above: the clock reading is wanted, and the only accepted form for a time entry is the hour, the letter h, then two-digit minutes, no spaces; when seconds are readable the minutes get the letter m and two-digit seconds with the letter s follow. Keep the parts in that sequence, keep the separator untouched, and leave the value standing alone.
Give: 3h32m39s
